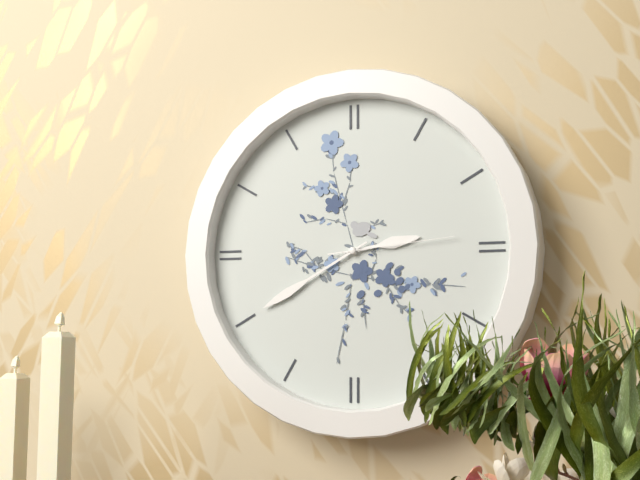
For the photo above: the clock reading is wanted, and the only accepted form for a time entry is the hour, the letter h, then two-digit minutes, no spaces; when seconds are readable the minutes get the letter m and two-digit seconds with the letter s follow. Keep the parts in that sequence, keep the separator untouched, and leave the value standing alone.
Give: 2h40m14s
